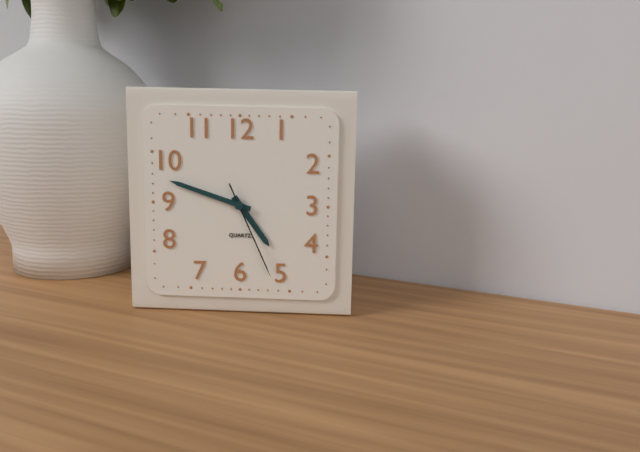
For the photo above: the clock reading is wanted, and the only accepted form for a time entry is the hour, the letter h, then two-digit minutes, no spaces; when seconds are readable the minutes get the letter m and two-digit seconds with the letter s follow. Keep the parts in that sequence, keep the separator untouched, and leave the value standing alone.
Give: 4h48m26s
